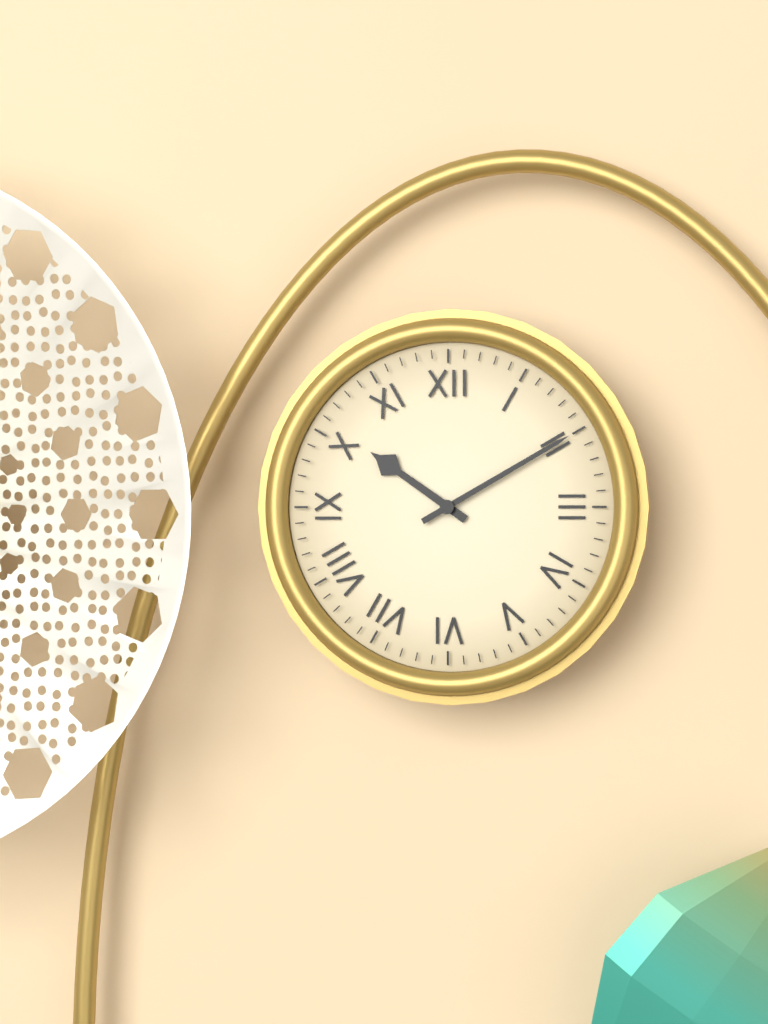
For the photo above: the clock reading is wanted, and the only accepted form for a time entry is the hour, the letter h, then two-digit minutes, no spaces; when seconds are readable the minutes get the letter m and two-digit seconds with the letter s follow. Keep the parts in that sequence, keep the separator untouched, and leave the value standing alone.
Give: 10h10
